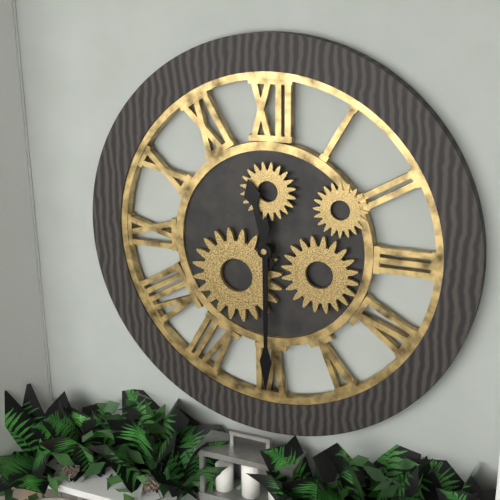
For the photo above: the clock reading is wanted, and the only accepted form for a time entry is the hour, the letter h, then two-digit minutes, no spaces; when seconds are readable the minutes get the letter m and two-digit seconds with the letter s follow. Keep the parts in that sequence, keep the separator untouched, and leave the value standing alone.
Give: 11h30
